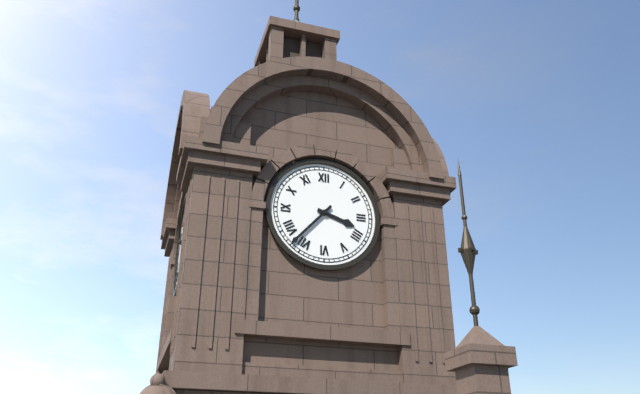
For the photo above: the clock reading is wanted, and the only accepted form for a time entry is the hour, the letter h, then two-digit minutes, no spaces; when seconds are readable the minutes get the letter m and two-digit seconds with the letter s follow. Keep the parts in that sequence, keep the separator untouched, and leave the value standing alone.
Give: 3h37
